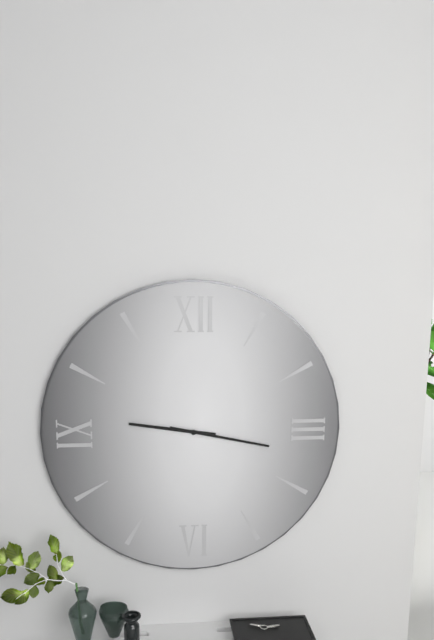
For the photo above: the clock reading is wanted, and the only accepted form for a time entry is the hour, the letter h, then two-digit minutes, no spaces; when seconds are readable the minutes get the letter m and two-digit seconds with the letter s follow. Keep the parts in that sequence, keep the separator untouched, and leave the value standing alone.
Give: 9h17
